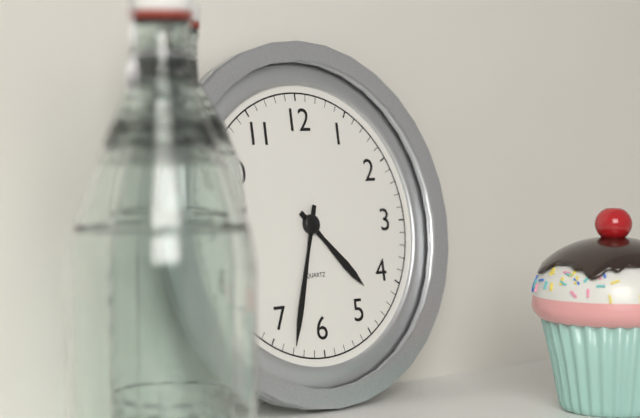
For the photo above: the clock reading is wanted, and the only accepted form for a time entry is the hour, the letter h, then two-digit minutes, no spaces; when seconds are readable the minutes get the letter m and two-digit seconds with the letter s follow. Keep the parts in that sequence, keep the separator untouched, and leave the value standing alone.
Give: 4h33
